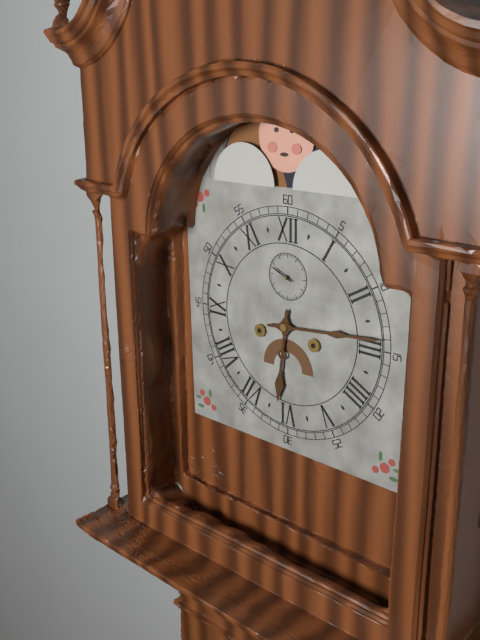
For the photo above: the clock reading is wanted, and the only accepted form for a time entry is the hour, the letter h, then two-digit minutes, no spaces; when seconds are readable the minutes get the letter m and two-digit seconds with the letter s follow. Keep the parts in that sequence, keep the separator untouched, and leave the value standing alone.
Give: 6h14
